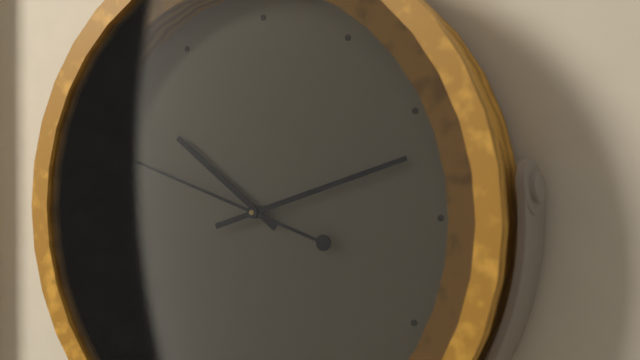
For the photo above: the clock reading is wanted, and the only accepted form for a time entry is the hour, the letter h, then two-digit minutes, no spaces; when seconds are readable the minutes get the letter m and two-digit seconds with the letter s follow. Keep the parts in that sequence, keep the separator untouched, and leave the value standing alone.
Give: 10h12m48s
